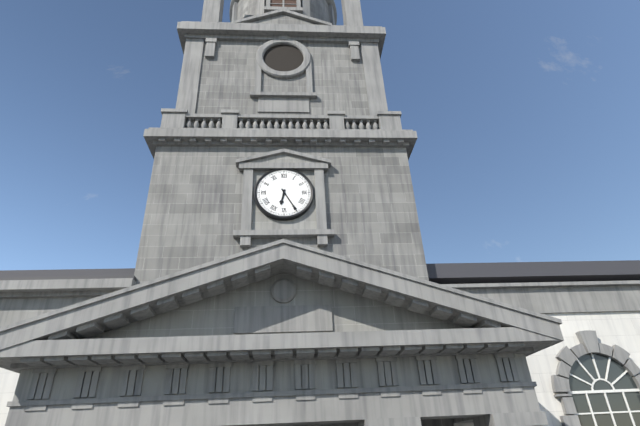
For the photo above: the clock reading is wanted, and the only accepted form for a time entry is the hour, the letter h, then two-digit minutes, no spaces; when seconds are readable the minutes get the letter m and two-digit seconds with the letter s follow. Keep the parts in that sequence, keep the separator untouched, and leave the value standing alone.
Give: 6h25
